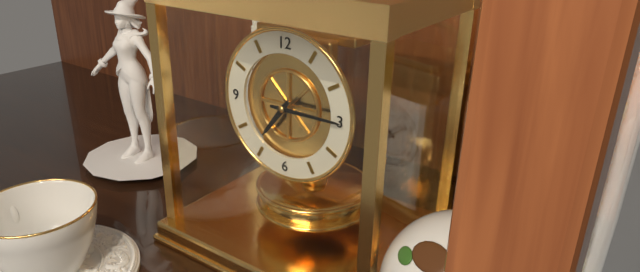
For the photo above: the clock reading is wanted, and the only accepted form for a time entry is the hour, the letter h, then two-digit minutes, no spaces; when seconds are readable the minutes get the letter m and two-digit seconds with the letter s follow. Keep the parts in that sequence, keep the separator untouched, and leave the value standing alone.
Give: 7h15
